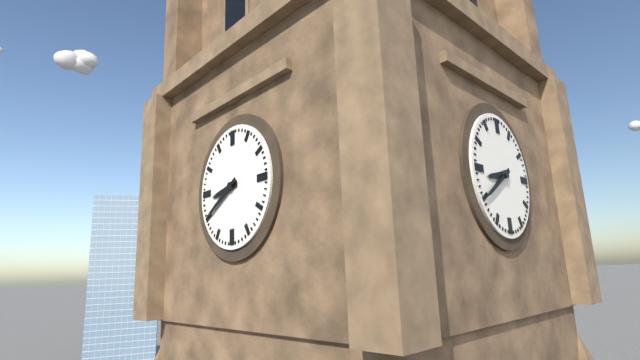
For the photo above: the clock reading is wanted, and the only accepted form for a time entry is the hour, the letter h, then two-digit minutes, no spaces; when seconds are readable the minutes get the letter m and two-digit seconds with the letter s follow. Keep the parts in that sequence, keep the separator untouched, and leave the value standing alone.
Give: 8h40
